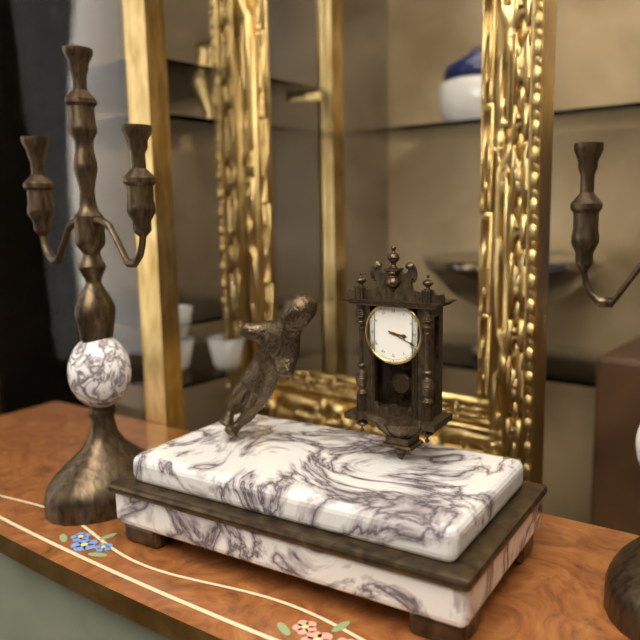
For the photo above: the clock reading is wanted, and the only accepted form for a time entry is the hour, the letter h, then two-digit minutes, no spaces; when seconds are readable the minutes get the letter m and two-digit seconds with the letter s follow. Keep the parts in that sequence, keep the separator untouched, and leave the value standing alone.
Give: 3h19
